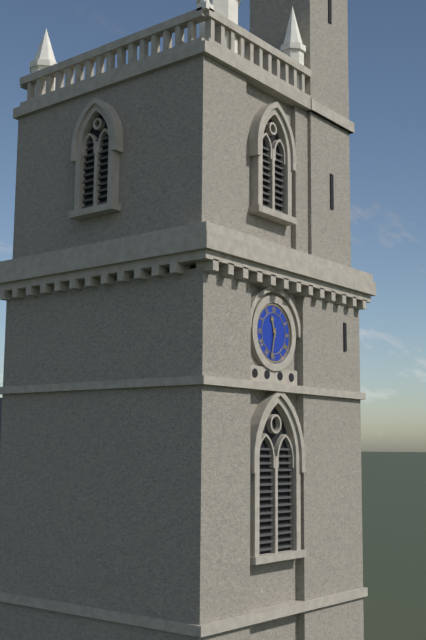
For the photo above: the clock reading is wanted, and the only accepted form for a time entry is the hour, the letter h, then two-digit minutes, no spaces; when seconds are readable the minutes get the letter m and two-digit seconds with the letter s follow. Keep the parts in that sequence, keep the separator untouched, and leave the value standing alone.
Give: 11h32
